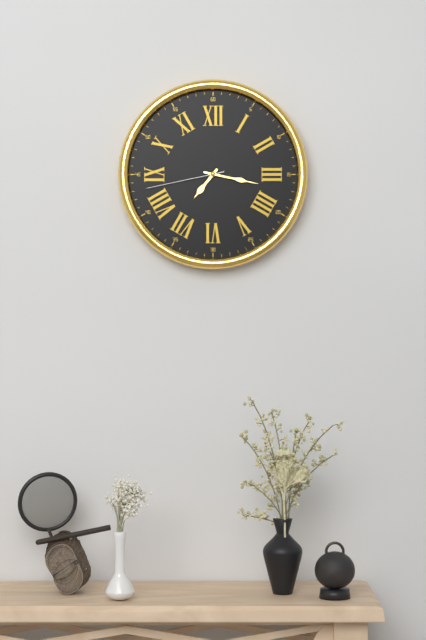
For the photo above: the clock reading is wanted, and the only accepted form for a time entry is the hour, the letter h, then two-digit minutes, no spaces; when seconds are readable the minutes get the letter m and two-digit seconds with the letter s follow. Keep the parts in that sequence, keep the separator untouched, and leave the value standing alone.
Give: 7h17m43s
